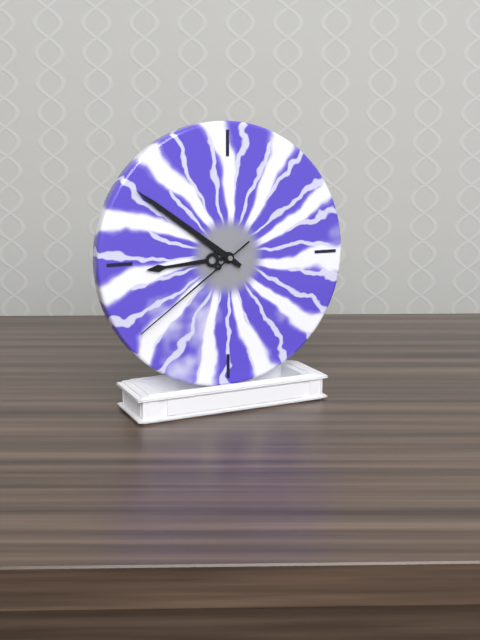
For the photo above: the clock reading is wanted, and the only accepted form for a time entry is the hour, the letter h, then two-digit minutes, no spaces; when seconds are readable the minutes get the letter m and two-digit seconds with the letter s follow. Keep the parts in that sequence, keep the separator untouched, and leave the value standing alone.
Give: 8h51m39s
